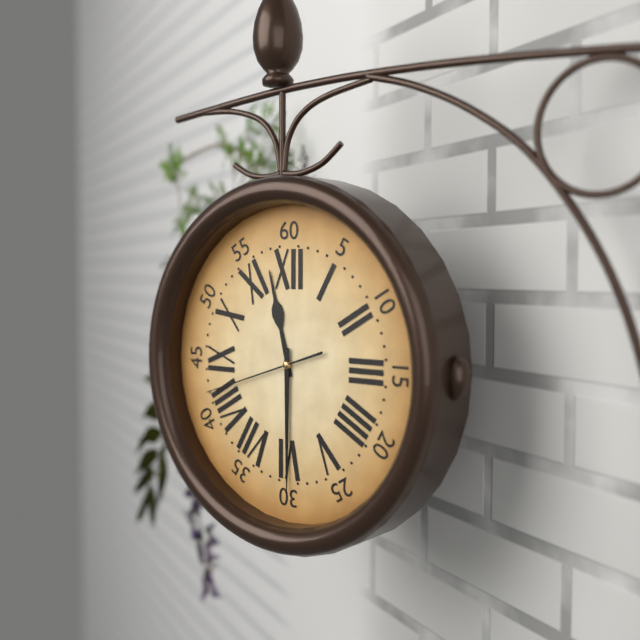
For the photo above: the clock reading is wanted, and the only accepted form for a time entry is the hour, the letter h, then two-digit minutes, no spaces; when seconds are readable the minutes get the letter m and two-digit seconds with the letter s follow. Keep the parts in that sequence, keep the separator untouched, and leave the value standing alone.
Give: 11h30m42s
